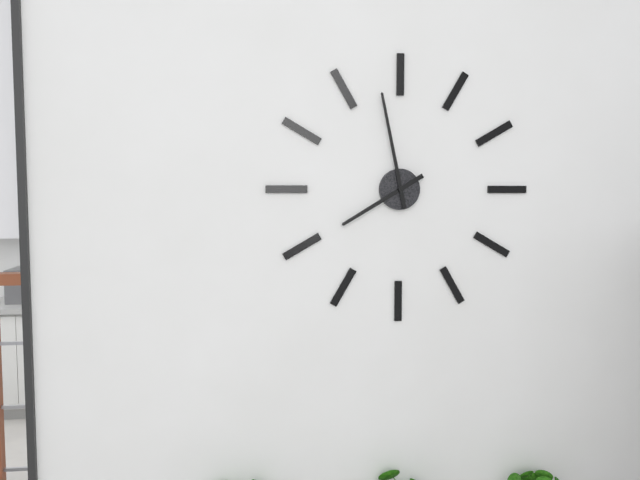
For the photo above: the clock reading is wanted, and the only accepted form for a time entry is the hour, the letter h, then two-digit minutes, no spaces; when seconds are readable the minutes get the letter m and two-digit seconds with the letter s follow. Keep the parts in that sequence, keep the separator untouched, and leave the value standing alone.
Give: 7h58
